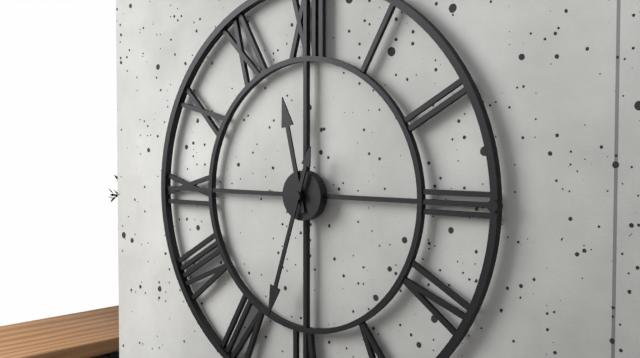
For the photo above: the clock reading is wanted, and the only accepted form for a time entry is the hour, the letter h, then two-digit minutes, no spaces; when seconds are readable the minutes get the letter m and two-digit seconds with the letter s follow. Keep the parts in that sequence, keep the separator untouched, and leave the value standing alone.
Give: 11h33
